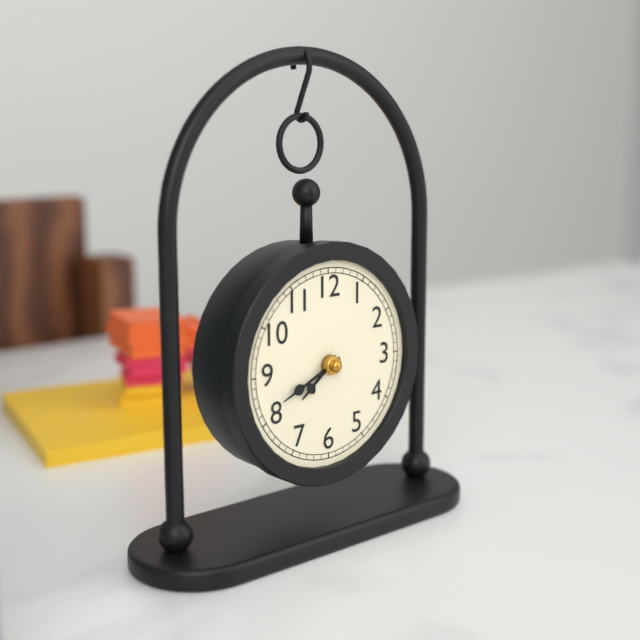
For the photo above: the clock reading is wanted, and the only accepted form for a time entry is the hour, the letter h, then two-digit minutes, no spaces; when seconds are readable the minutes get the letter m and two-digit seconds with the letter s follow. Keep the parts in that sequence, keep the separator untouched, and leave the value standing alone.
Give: 7h41
